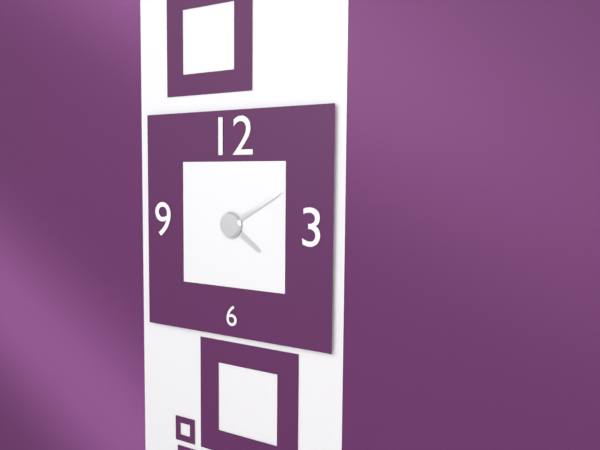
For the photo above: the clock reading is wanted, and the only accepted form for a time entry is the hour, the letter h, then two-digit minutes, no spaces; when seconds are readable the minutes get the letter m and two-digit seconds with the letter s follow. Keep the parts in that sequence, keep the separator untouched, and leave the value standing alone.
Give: 4h10
